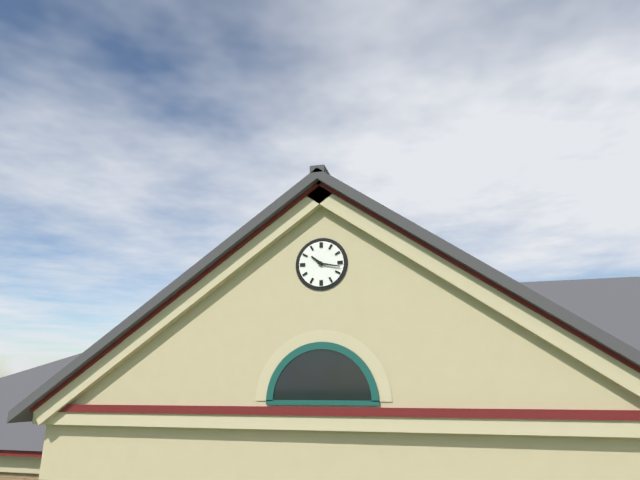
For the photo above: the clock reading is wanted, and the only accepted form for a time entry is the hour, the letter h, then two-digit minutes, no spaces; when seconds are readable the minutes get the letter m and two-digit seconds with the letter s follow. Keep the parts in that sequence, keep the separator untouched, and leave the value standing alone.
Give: 10h17
